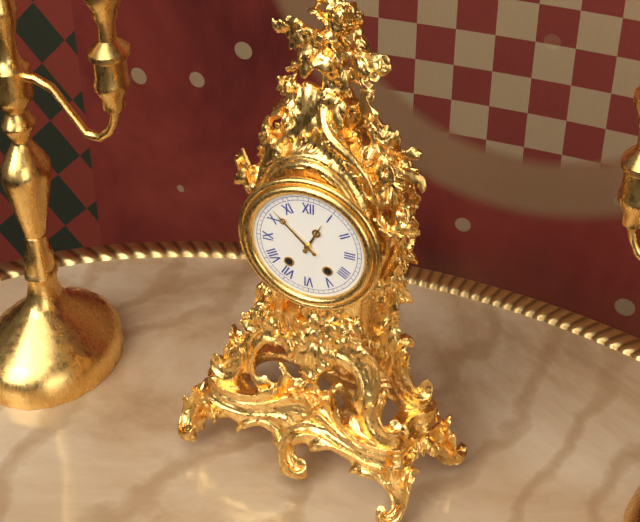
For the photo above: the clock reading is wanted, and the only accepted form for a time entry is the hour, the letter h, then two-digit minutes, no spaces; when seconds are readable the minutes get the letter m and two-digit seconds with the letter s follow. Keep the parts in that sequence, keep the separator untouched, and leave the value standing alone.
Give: 12h52
